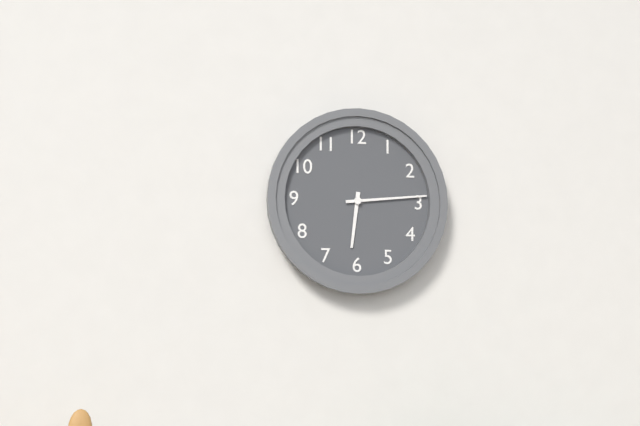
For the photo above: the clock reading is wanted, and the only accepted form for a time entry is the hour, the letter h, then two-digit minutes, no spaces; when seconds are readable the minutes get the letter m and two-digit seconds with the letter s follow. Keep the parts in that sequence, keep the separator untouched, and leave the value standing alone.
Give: 6h14
